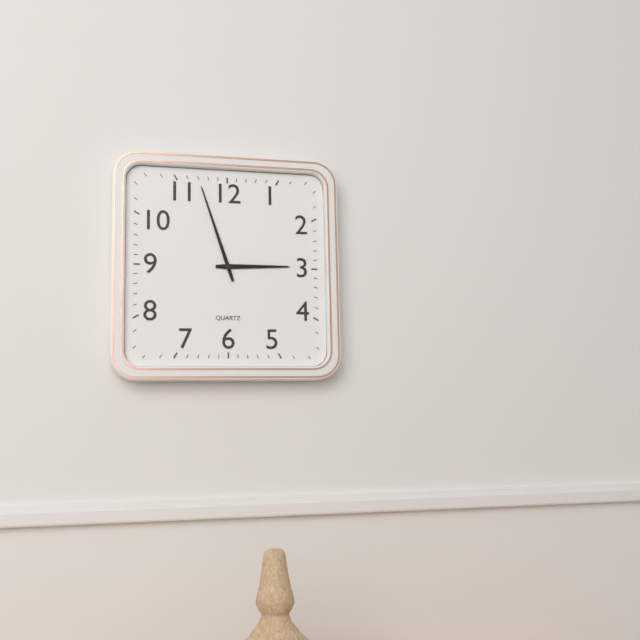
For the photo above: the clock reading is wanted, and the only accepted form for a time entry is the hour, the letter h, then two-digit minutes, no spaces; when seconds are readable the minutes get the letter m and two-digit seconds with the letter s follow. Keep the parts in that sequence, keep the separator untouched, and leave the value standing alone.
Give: 2h57
